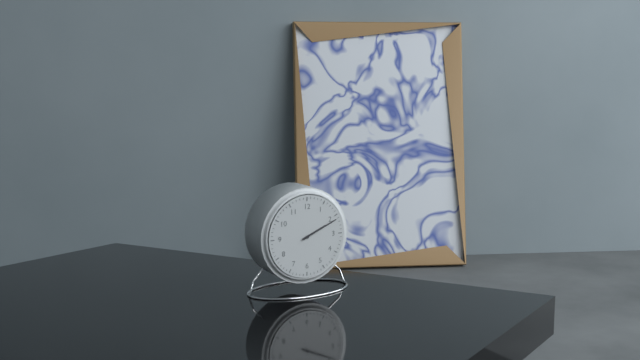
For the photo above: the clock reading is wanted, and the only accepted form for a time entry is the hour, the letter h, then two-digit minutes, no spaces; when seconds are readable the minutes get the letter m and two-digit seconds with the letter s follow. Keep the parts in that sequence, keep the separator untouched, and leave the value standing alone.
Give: 2h11
